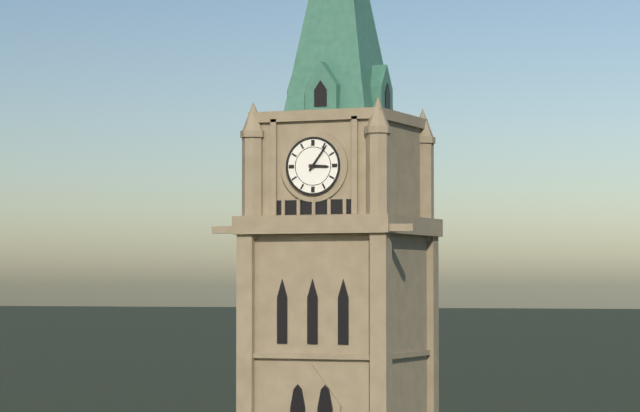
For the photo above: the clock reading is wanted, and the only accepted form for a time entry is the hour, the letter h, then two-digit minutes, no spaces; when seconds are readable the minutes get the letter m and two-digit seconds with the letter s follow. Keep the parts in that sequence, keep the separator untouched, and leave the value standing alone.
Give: 3h06
